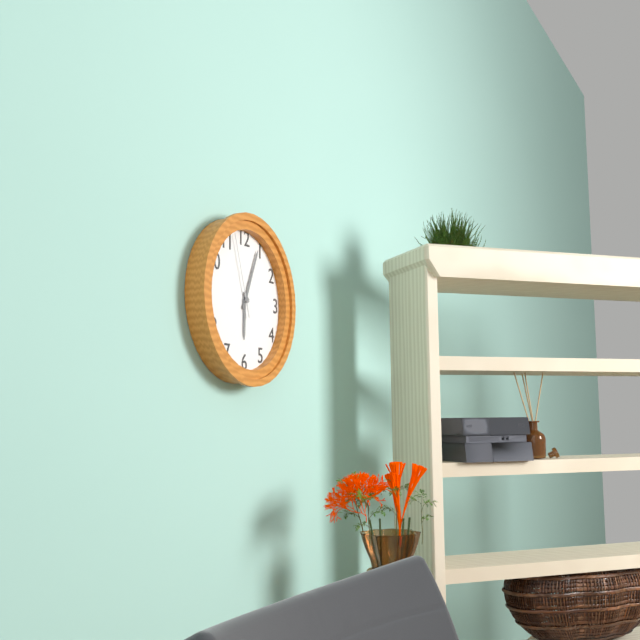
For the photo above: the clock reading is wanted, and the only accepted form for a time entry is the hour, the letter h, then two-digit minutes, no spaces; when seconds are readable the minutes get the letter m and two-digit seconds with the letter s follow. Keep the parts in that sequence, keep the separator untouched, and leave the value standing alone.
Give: 6h04m57s
